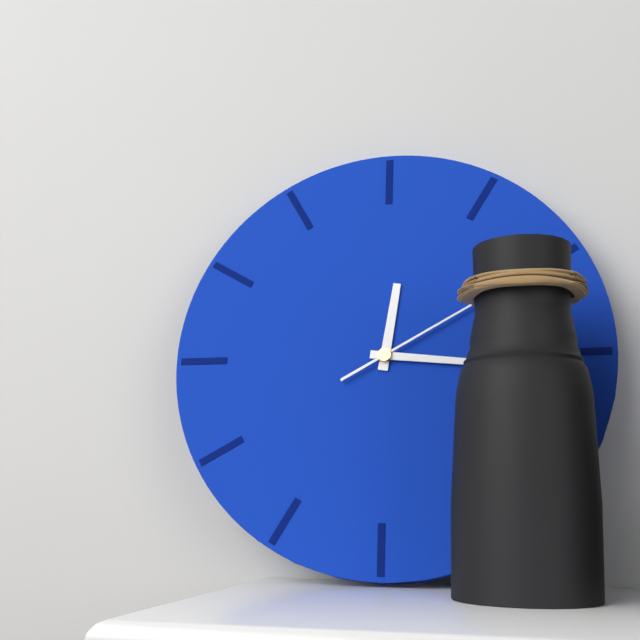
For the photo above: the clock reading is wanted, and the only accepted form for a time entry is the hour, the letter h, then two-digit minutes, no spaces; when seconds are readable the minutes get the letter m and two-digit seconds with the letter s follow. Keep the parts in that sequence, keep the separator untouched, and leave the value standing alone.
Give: 12h16m10s
